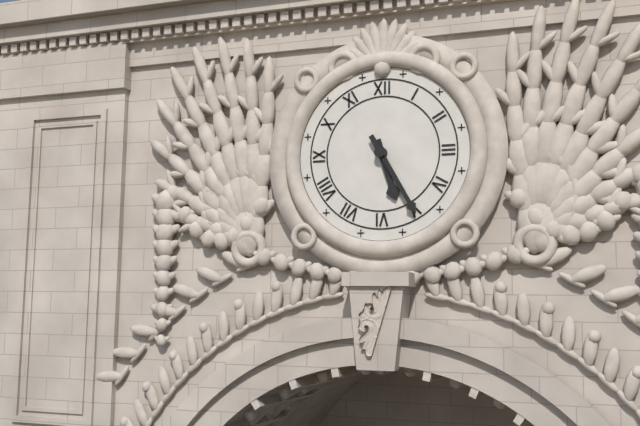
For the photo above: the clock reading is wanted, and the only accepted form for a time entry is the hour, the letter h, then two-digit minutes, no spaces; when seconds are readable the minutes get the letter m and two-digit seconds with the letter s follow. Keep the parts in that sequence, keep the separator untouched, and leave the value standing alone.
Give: 5h25
